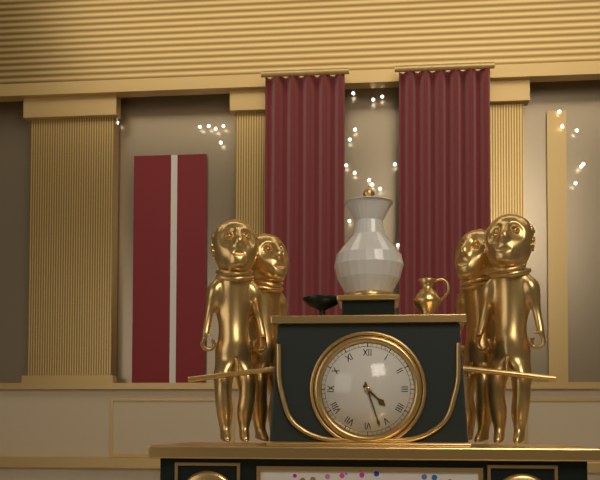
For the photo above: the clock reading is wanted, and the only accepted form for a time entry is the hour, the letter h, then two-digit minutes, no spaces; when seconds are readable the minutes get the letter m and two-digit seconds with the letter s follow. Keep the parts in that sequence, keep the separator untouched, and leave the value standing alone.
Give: 4h27
